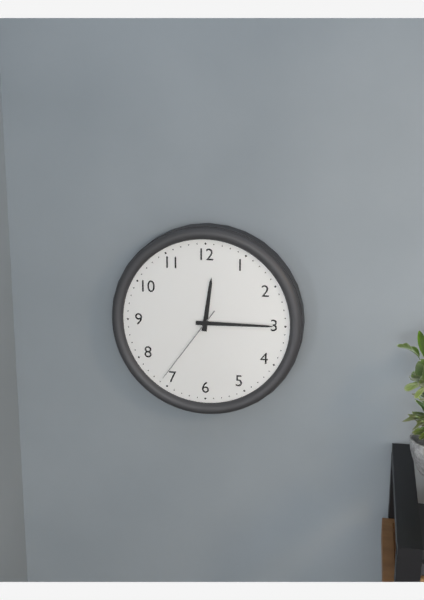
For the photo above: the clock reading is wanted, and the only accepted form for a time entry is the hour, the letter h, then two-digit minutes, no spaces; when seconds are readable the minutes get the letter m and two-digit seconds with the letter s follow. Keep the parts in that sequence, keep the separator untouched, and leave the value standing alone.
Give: 12h15m36s
